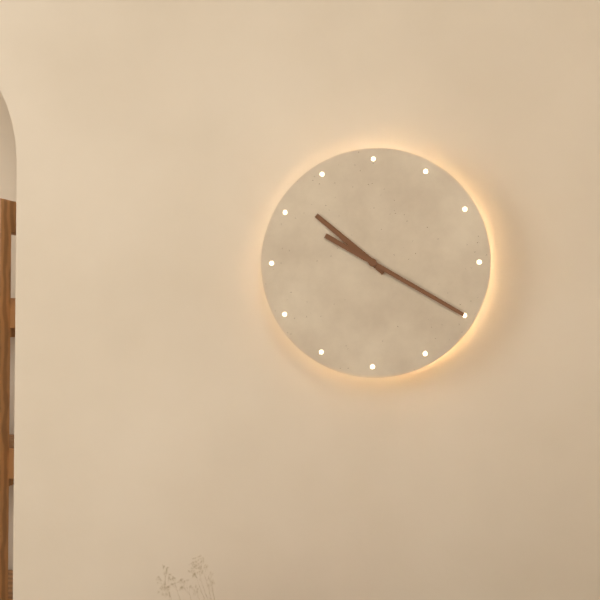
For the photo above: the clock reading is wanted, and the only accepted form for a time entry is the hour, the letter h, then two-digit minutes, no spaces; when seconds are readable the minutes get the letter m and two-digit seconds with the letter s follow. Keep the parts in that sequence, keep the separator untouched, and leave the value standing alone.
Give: 10h20
